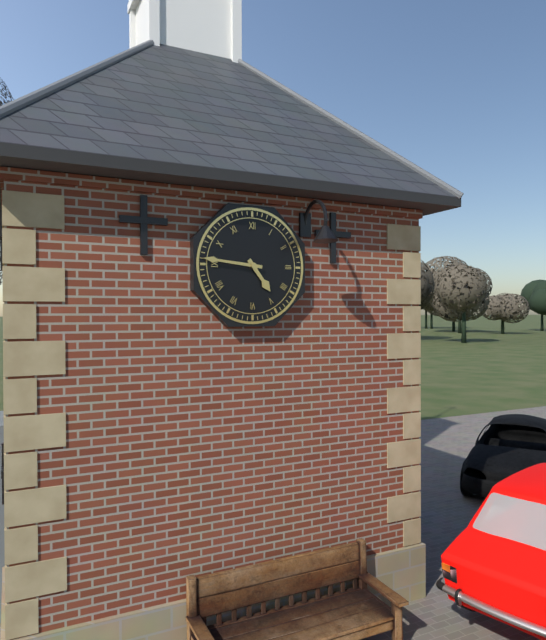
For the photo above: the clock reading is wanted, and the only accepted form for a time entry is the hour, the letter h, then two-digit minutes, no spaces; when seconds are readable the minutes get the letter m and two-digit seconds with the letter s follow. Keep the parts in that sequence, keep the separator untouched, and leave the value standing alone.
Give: 4h46
